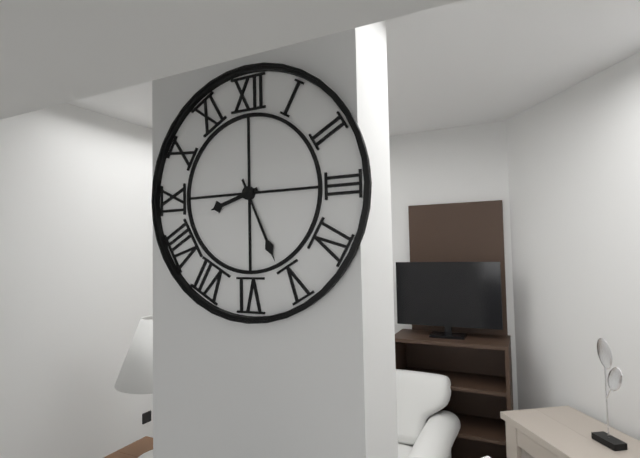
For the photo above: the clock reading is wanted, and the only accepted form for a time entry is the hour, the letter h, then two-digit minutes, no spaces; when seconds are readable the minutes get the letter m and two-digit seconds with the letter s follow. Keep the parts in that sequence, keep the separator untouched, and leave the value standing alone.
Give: 8h26
